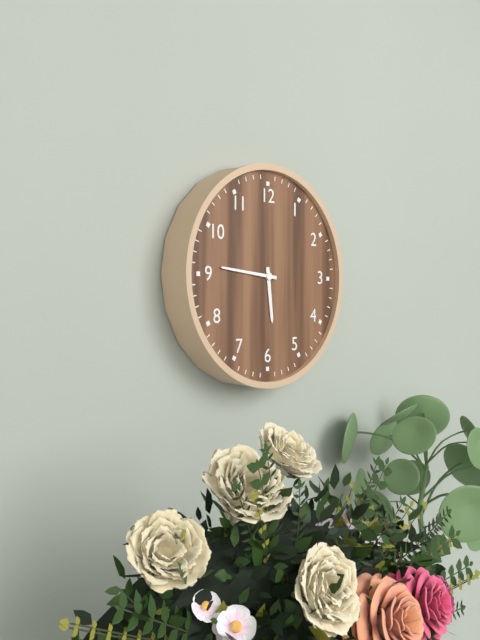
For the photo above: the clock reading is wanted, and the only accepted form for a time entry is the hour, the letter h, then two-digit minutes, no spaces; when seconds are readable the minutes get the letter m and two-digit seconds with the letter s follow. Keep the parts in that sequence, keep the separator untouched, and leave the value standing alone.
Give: 5h46
